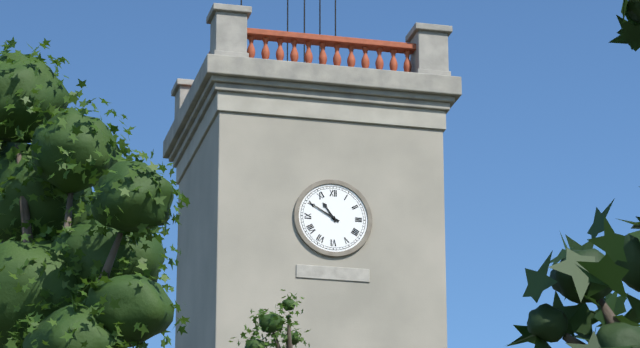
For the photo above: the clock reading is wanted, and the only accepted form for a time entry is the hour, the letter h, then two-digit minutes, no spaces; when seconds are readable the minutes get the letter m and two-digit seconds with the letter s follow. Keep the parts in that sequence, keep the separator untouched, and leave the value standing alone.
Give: 10h50
